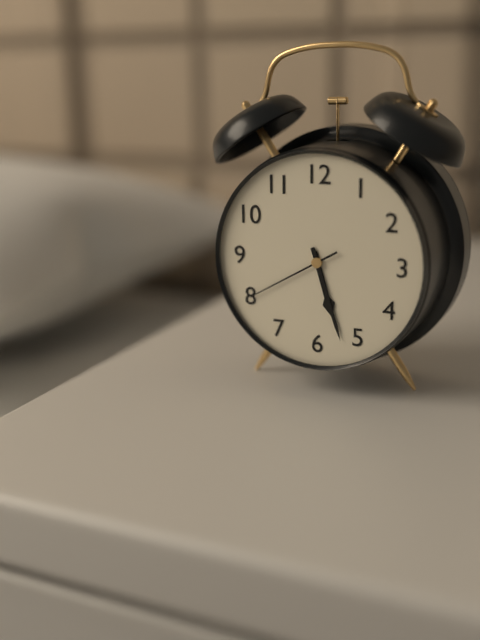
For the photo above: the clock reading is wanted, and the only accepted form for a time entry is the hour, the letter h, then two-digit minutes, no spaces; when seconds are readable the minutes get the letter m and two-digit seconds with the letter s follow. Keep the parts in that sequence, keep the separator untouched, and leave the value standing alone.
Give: 5h27m40s
